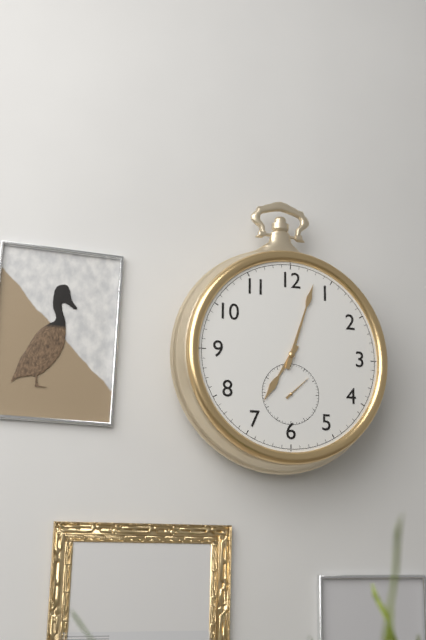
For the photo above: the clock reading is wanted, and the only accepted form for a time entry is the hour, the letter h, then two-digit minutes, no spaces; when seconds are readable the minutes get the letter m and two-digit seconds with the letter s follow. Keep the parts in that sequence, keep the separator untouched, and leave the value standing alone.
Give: 7h03
